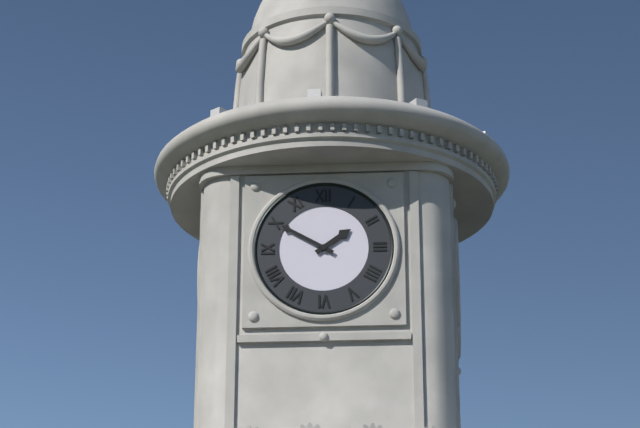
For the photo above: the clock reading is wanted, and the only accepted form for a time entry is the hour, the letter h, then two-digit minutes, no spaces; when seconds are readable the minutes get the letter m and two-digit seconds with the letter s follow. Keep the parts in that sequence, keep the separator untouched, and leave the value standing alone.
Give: 1h50
